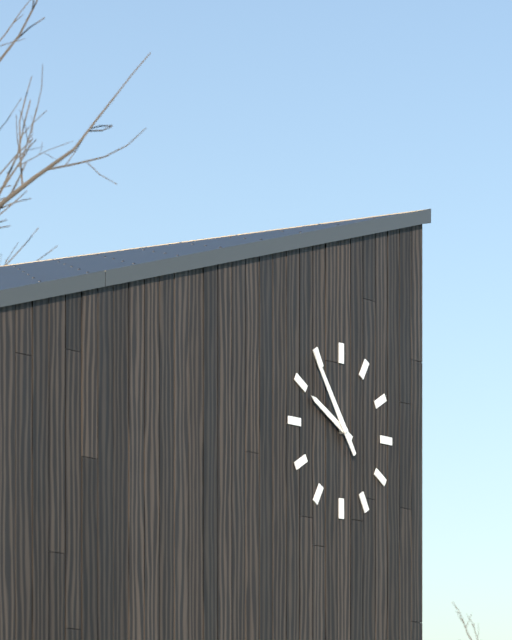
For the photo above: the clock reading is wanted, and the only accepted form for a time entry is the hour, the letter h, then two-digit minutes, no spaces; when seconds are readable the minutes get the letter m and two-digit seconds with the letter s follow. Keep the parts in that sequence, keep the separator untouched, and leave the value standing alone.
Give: 9h54
